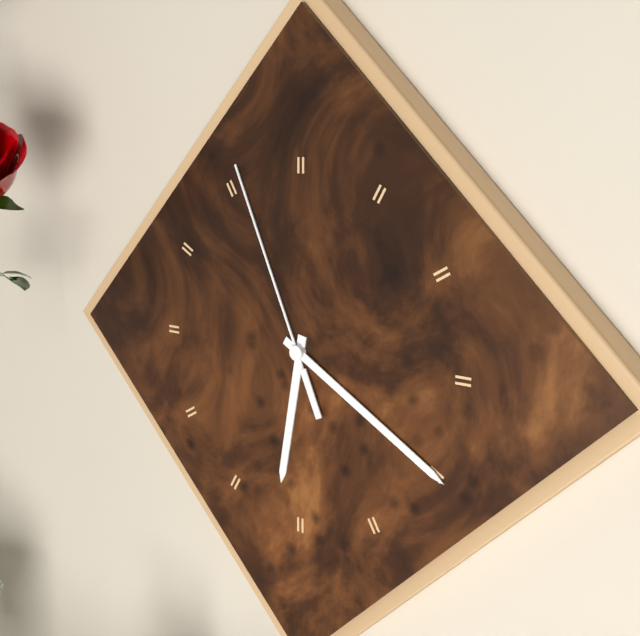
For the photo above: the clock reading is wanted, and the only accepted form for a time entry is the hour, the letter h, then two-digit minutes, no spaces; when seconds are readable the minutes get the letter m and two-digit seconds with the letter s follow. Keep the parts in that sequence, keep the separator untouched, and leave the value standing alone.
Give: 6h20m56s
